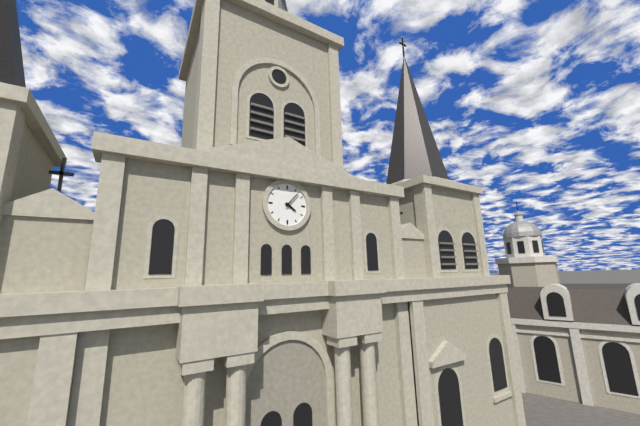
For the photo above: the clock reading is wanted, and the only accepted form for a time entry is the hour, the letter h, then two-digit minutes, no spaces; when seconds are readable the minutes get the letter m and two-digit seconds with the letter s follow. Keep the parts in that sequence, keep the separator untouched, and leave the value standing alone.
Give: 4h07
